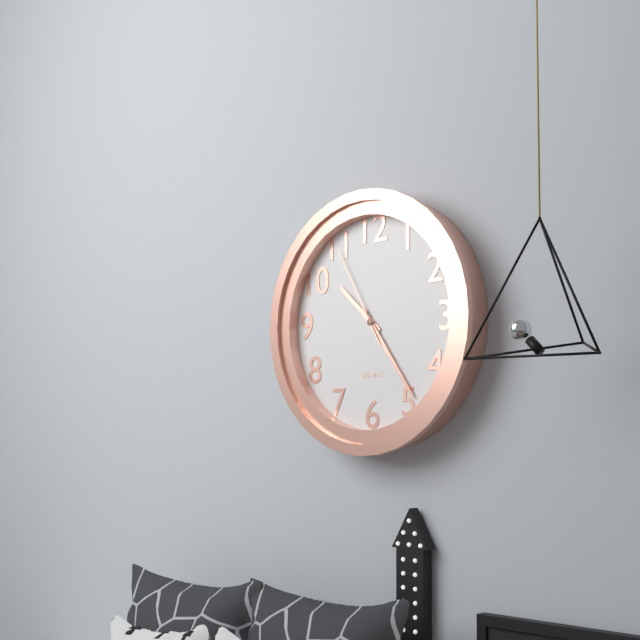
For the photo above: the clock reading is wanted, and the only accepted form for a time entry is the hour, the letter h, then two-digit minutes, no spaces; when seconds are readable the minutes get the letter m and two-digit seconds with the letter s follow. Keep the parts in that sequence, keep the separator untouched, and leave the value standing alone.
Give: 10h24m55s
